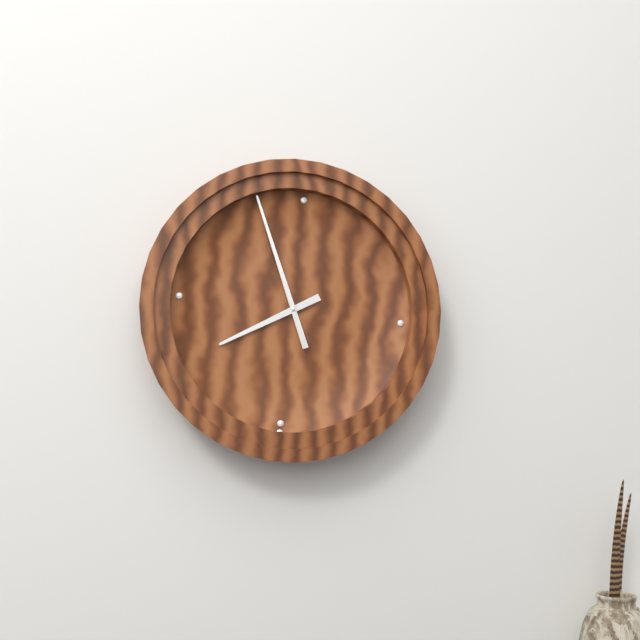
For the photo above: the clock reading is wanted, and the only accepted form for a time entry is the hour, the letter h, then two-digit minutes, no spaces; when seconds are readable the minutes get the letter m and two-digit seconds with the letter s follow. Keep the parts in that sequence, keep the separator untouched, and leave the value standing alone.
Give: 7h56
